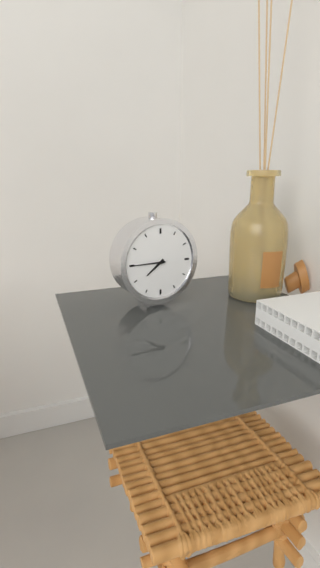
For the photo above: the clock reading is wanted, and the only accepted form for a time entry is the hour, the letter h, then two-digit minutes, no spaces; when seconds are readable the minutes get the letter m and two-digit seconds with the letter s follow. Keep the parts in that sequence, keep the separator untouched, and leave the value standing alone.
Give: 7h45
